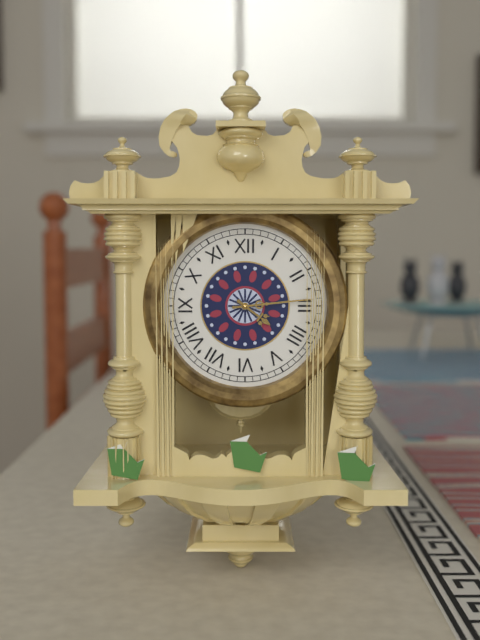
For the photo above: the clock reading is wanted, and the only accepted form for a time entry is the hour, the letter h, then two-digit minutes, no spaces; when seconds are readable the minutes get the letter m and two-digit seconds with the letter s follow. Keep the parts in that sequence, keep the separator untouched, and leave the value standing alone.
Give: 4h14
